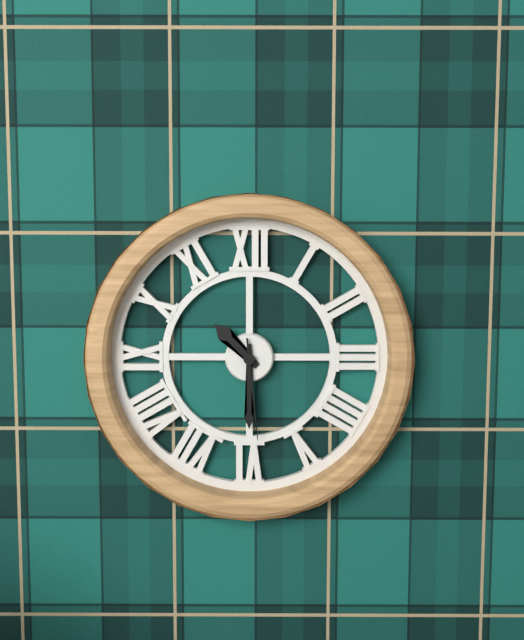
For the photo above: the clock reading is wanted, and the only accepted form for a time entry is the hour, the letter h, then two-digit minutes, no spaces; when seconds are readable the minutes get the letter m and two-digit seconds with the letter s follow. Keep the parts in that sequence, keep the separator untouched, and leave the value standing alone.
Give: 10h30m29s
